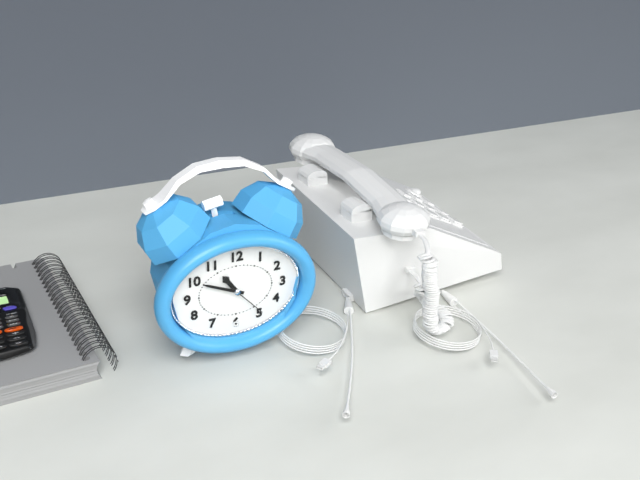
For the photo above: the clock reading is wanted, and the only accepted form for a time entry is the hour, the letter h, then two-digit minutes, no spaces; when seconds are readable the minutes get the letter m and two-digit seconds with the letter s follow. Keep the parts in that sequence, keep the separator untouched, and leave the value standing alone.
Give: 10h49
